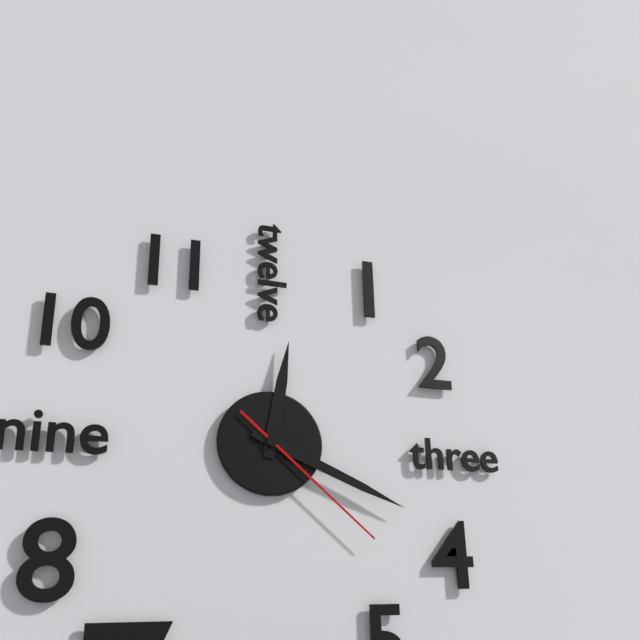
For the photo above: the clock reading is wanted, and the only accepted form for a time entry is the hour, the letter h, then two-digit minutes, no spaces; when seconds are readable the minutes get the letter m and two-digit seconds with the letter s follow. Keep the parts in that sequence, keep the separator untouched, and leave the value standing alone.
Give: 12h19m22s
